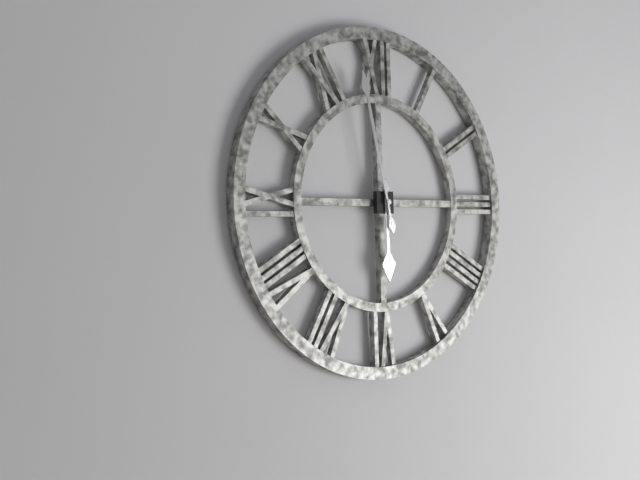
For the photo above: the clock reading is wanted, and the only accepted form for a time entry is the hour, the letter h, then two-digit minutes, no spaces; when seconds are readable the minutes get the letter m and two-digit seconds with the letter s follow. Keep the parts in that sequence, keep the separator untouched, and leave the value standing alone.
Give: 5h58
